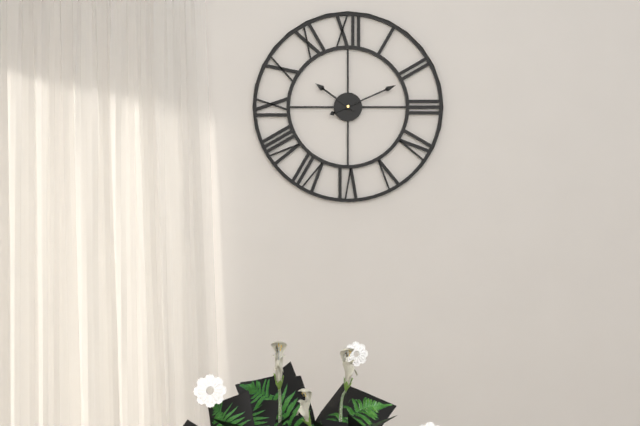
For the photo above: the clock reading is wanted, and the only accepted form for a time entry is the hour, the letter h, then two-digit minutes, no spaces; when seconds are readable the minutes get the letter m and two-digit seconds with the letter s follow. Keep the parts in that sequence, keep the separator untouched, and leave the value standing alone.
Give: 10h11
